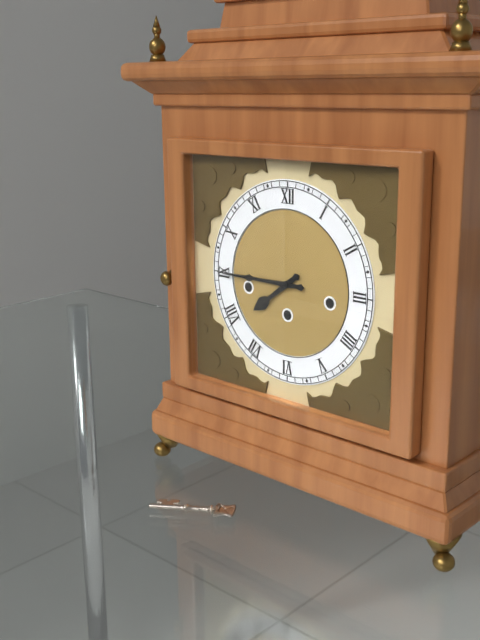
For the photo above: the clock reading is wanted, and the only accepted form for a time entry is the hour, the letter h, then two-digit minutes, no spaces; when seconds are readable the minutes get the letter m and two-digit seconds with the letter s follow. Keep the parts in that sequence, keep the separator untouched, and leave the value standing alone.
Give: 7h45
